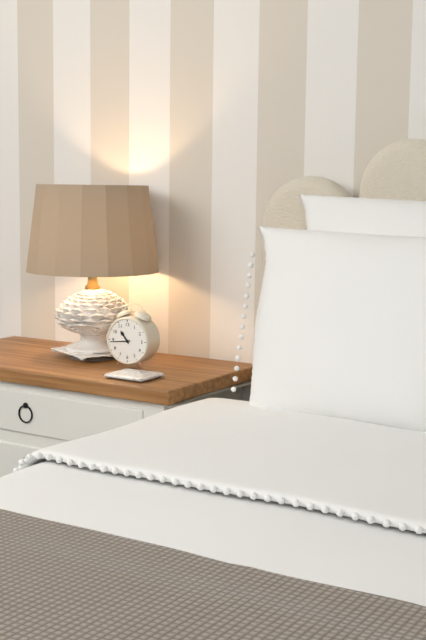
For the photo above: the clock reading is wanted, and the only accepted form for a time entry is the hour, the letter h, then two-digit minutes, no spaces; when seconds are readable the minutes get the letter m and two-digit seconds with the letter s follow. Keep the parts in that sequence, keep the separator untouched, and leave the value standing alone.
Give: 10h44
